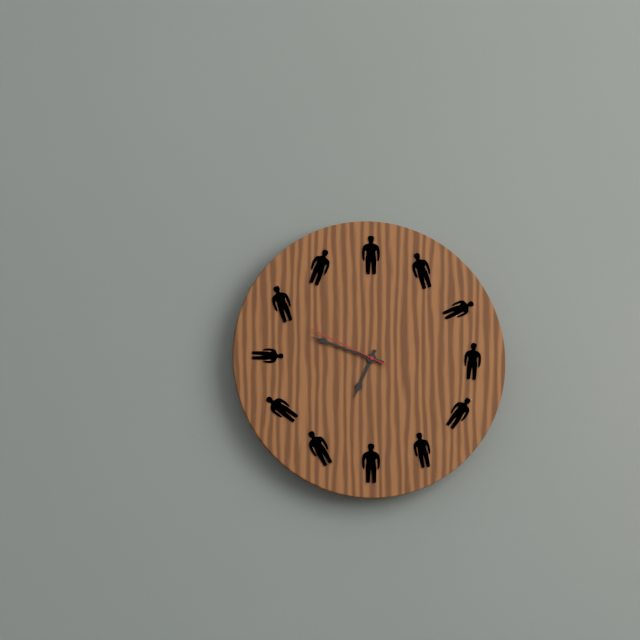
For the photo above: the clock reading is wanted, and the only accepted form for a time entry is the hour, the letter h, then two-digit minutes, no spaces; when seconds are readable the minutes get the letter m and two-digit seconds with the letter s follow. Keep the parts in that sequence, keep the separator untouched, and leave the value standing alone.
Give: 6h48m49s
